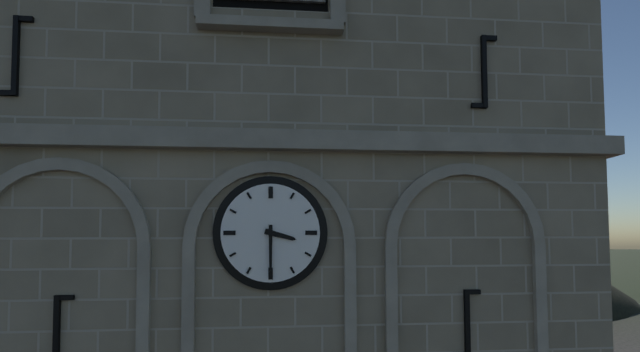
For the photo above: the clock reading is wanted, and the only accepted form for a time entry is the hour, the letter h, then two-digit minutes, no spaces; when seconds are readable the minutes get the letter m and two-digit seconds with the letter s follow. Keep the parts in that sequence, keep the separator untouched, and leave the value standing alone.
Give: 3h30
